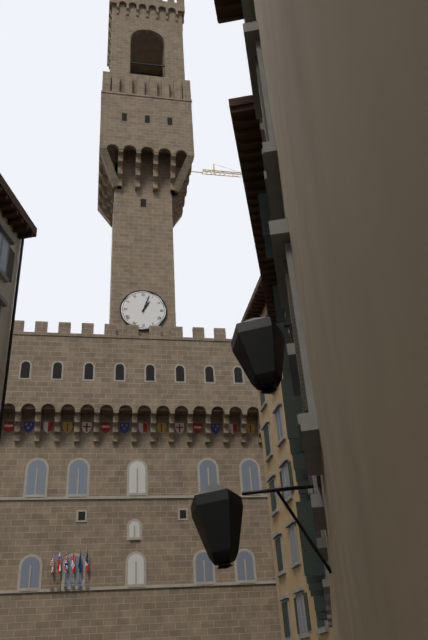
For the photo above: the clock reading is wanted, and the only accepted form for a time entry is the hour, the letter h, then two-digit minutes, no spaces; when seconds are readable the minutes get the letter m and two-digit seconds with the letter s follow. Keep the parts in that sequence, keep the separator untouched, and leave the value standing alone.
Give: 1h03
